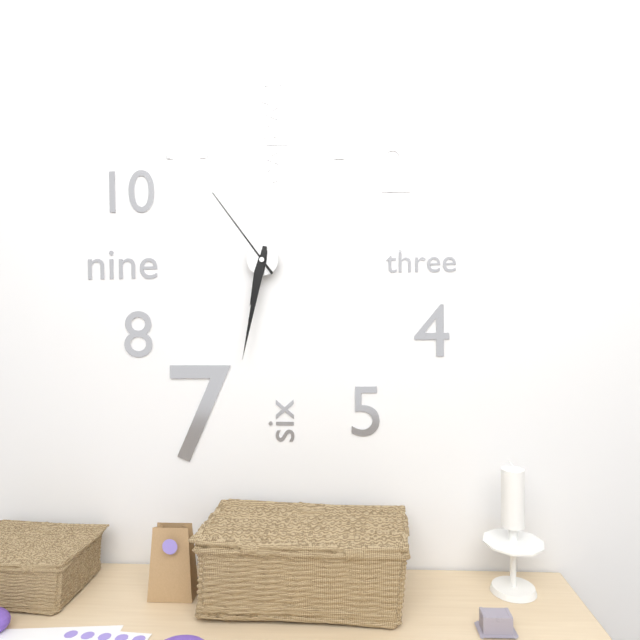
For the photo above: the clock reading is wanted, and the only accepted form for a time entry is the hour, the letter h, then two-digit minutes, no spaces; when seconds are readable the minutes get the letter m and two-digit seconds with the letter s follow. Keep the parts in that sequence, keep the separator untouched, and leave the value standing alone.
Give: 6h32m54s
